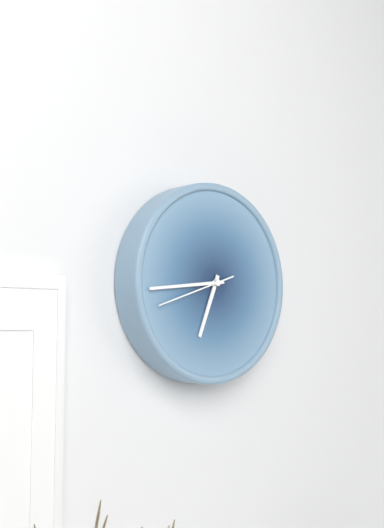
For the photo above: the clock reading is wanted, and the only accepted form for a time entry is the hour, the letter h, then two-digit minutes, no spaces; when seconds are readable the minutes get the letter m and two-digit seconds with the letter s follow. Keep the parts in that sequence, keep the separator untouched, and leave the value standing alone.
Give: 6h44m42s
